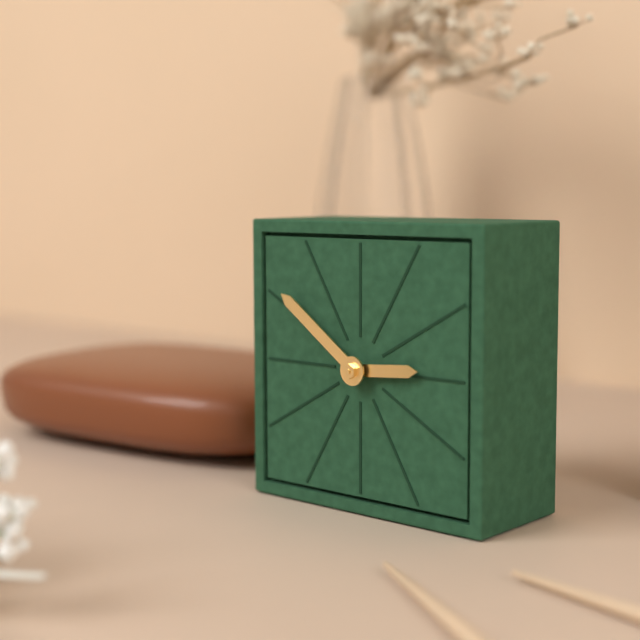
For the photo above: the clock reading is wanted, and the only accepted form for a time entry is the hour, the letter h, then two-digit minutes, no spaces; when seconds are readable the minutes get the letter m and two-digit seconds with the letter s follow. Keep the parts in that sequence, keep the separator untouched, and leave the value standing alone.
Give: 2h51
